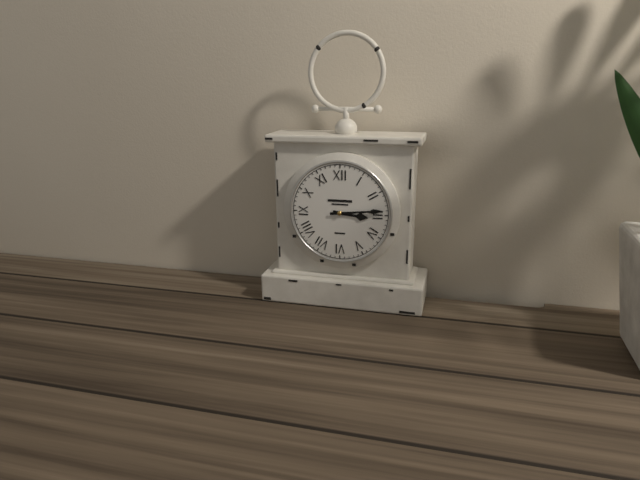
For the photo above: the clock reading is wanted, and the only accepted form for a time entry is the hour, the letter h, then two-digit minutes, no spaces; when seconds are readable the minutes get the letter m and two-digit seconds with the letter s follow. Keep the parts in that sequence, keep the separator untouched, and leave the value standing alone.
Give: 3h14
